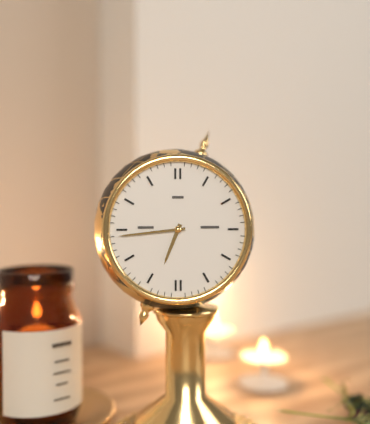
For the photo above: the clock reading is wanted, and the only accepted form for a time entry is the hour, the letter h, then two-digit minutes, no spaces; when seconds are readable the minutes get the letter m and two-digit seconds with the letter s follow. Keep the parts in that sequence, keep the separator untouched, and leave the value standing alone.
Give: 6h44
